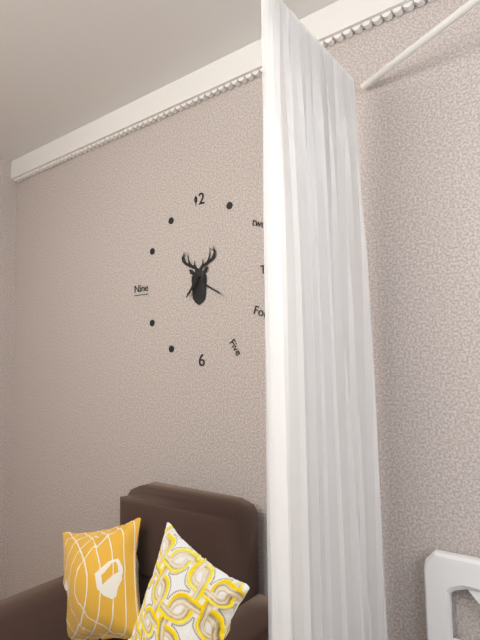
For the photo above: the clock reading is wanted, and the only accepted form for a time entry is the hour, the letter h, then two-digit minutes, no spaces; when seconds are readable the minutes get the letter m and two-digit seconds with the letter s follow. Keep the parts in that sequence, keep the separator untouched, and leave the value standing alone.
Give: 7h20
